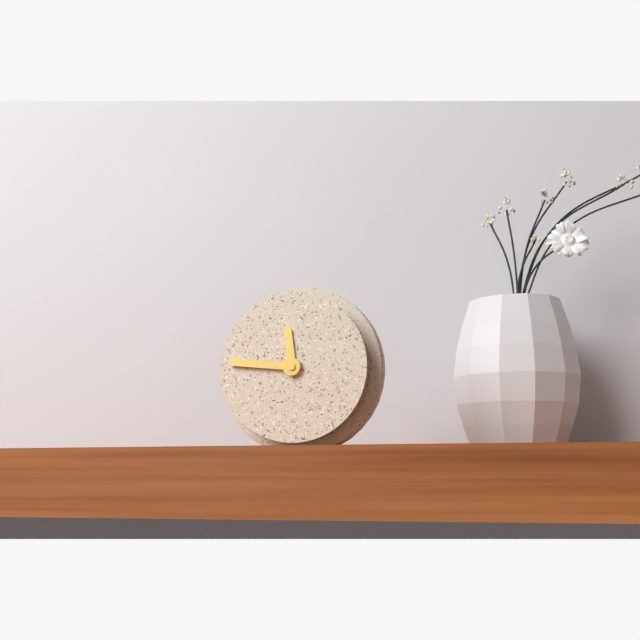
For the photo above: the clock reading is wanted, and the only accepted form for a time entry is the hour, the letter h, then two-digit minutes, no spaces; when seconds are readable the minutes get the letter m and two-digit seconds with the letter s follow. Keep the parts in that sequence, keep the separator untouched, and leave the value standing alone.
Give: 11h46
